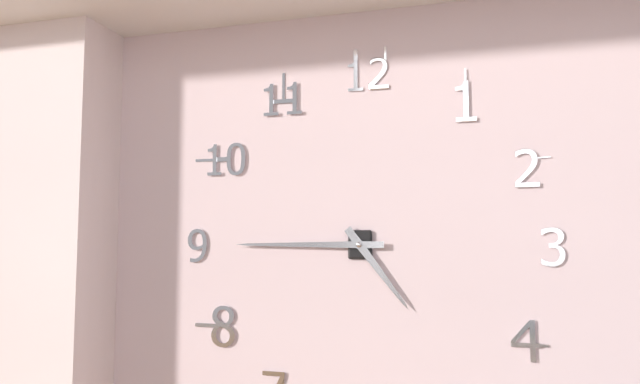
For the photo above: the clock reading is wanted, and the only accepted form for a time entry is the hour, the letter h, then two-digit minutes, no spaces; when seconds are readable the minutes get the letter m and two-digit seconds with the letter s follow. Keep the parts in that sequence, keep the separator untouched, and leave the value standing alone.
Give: 4h45
